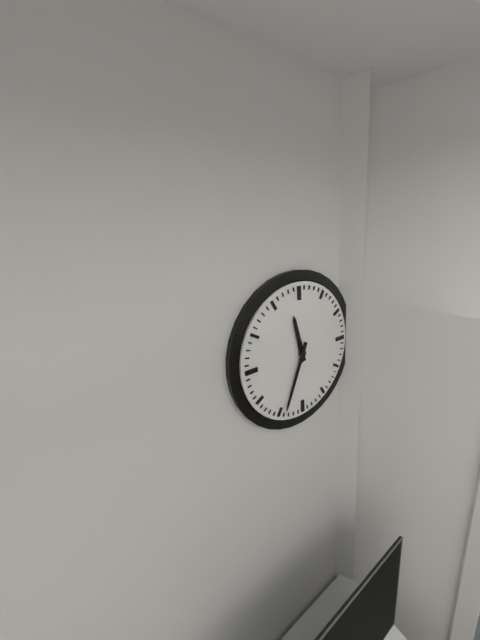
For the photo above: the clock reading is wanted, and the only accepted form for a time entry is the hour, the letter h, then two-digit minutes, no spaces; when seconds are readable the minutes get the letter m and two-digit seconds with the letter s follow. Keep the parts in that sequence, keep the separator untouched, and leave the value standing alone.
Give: 11h34
